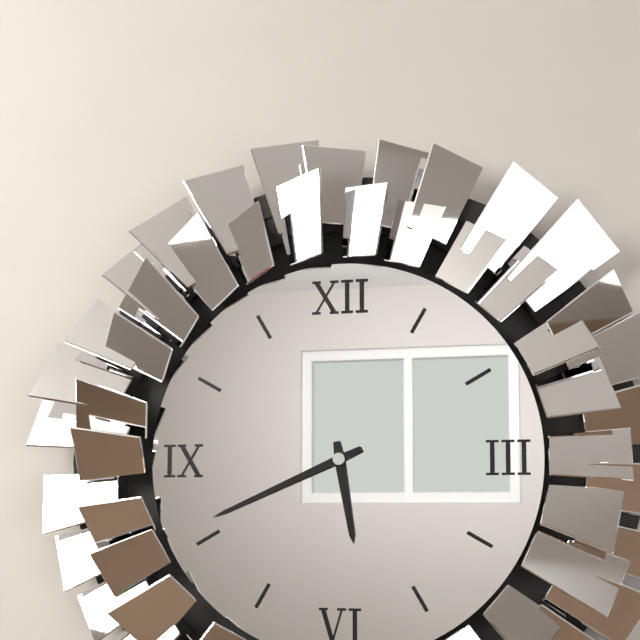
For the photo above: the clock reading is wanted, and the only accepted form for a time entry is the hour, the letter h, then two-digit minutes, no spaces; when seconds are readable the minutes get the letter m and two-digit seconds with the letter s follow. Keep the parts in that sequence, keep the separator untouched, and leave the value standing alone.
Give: 5h41
